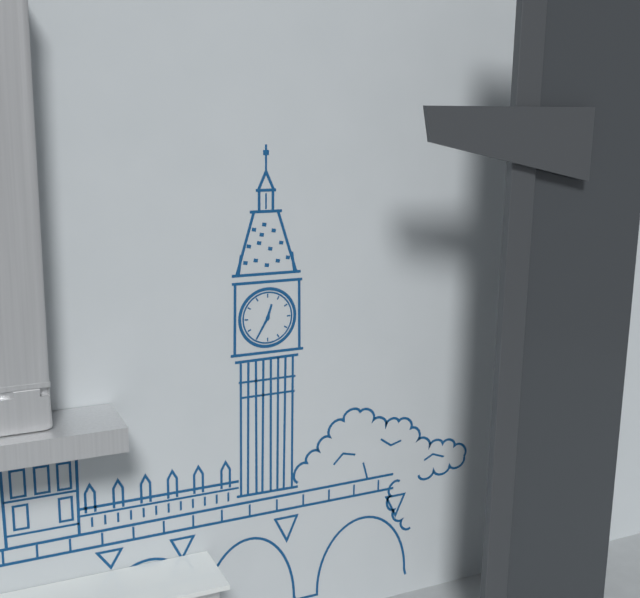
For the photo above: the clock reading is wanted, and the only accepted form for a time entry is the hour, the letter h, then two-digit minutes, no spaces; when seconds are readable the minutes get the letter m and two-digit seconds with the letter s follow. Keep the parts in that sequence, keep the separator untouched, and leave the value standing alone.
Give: 12h35
